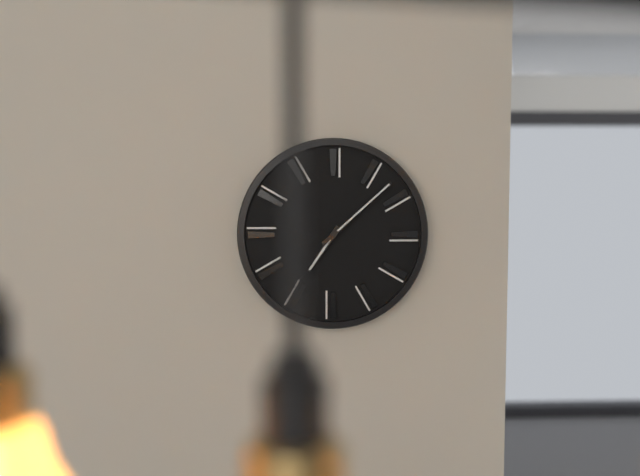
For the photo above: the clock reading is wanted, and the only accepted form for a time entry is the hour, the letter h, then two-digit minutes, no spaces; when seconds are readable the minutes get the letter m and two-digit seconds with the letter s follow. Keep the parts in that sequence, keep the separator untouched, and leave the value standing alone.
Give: 7h08
